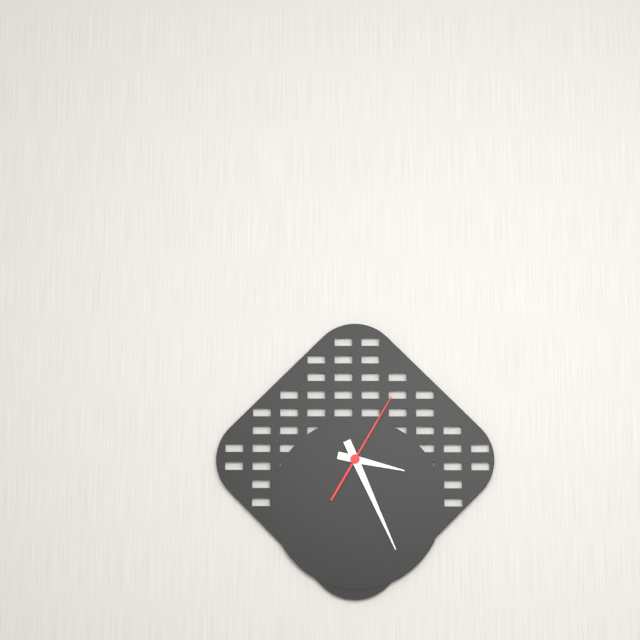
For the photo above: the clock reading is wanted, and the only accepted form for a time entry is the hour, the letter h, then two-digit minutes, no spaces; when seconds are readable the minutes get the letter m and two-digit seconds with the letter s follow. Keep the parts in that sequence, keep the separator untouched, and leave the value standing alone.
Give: 3h26m05s
